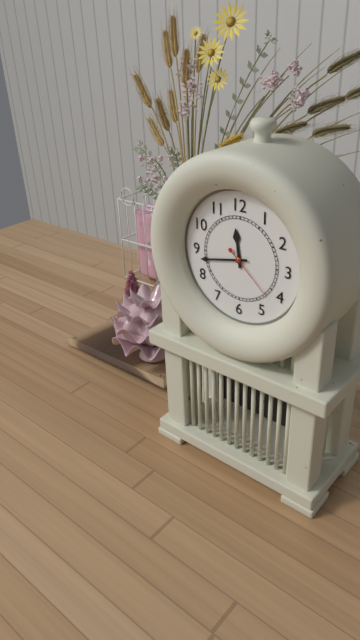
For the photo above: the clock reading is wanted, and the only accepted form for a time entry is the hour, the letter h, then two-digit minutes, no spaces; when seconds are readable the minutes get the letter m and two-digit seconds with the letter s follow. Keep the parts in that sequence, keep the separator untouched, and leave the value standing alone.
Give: 11h43m22s
